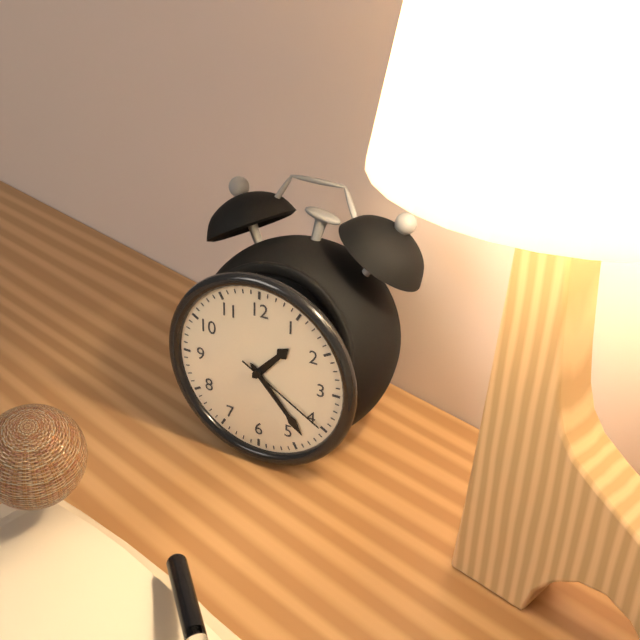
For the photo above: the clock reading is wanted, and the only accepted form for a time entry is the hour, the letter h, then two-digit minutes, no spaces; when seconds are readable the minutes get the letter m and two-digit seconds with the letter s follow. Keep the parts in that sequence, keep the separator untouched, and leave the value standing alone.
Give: 1h23m20s
